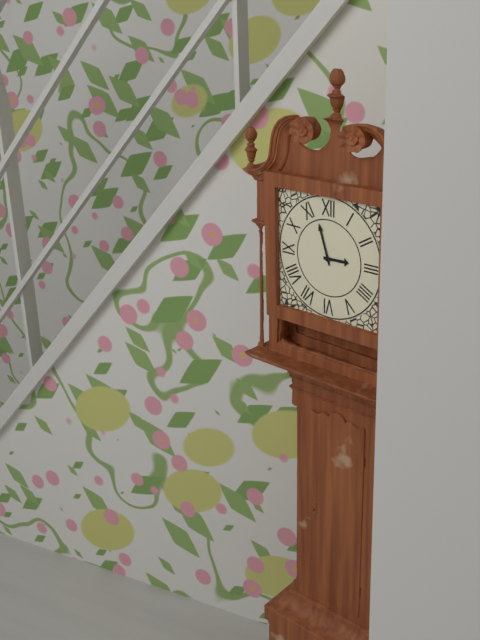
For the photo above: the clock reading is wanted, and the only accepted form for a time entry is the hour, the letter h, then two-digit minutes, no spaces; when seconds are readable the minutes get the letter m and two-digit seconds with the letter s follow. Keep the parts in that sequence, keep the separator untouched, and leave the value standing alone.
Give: 2h57
